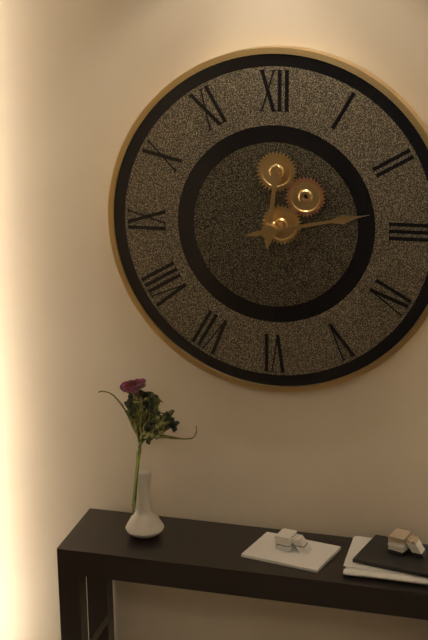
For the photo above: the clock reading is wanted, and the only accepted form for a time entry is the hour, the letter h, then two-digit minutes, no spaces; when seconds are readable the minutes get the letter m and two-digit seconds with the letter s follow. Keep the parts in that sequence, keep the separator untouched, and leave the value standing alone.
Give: 12h13
